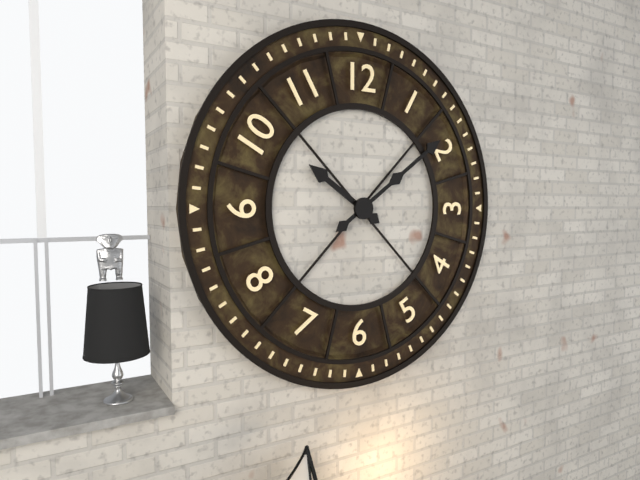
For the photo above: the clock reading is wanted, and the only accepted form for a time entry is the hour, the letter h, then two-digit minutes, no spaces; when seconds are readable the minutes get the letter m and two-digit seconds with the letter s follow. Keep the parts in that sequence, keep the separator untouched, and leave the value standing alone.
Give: 10h09
